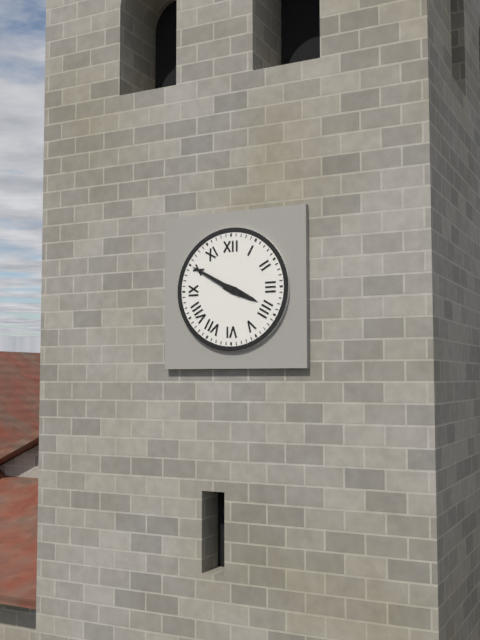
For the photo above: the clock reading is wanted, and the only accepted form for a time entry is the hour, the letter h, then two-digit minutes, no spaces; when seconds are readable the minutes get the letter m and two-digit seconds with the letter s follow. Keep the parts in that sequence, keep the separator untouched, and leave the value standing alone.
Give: 3h50
